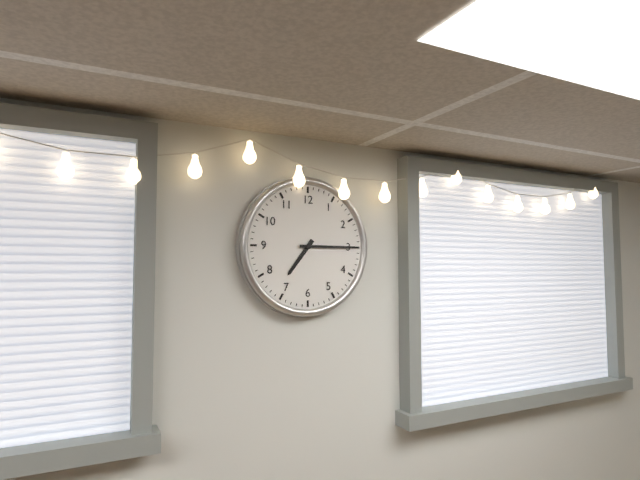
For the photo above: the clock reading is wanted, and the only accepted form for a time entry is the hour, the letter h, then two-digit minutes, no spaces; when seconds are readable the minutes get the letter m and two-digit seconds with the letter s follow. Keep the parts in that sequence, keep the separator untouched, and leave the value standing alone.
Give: 7h15
